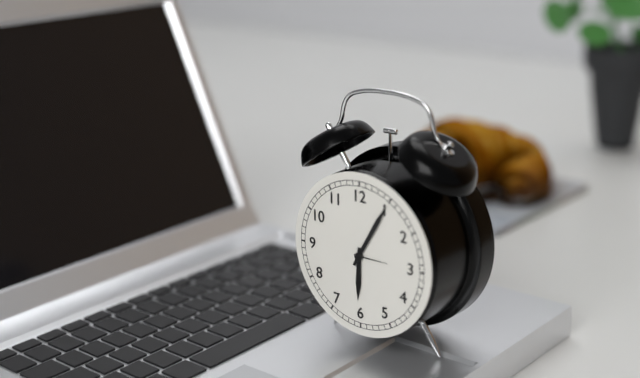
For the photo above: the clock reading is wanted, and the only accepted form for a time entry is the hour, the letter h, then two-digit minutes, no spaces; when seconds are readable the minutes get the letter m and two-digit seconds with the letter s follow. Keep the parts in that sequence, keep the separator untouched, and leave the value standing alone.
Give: 6h05
